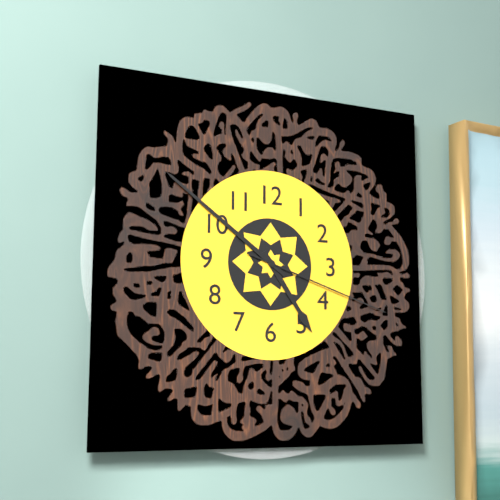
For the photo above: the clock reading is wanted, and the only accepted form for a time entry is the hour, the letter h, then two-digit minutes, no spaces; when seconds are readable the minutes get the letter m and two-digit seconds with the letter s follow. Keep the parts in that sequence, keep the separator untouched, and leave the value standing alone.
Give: 4h51m18s
